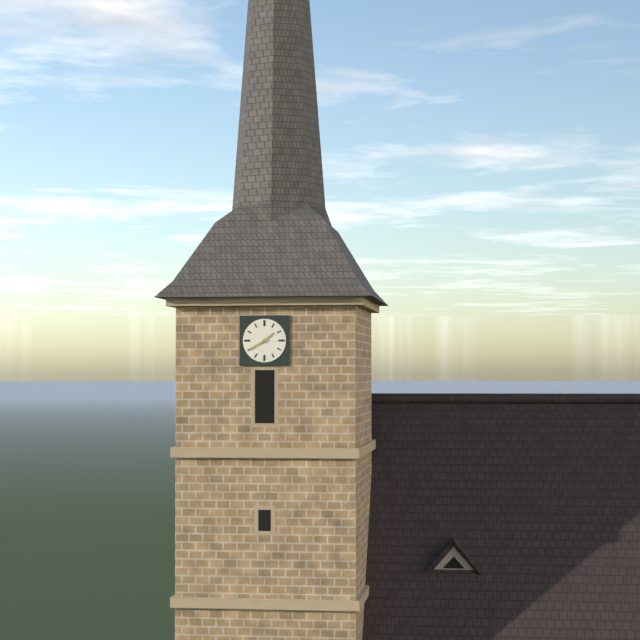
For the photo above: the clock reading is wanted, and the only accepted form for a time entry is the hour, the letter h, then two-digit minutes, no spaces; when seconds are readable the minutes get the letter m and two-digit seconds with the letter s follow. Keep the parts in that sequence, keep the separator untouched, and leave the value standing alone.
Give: 1h40
